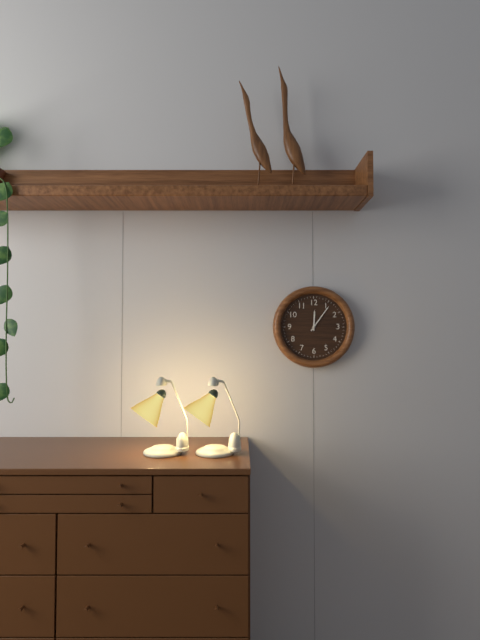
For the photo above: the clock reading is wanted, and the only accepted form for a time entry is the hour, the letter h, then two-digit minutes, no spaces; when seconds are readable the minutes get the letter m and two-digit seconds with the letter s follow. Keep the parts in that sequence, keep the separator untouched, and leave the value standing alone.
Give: 12h06
